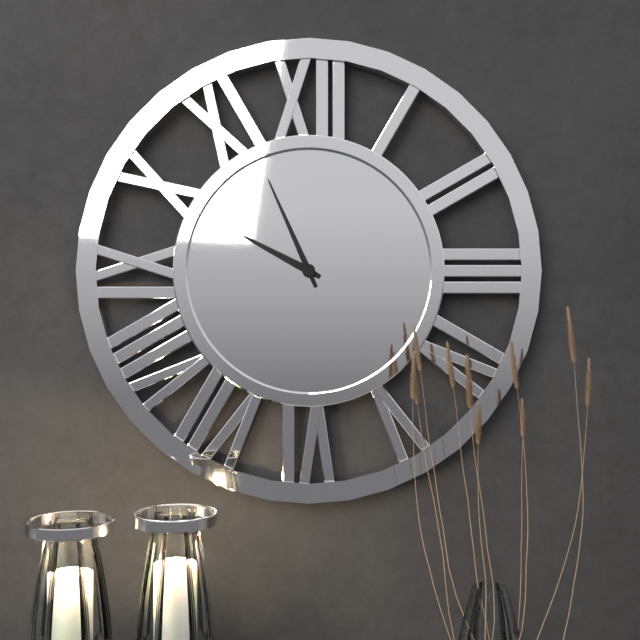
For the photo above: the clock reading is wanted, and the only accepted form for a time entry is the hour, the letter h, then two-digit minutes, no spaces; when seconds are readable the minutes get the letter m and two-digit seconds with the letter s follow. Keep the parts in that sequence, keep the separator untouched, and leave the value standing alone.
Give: 9h56
